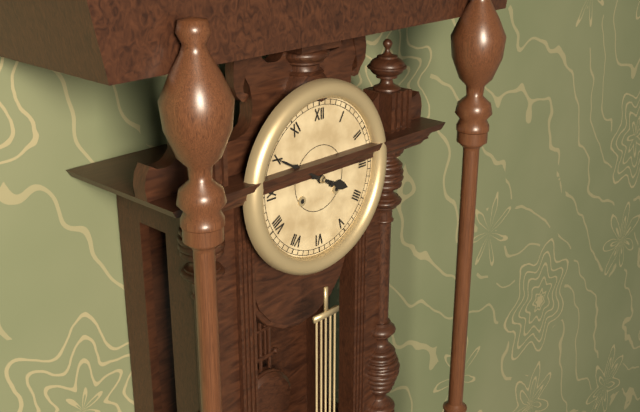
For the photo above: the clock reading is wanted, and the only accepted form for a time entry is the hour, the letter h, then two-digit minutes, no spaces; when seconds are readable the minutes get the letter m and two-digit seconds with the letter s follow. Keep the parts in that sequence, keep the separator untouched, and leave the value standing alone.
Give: 3h50
